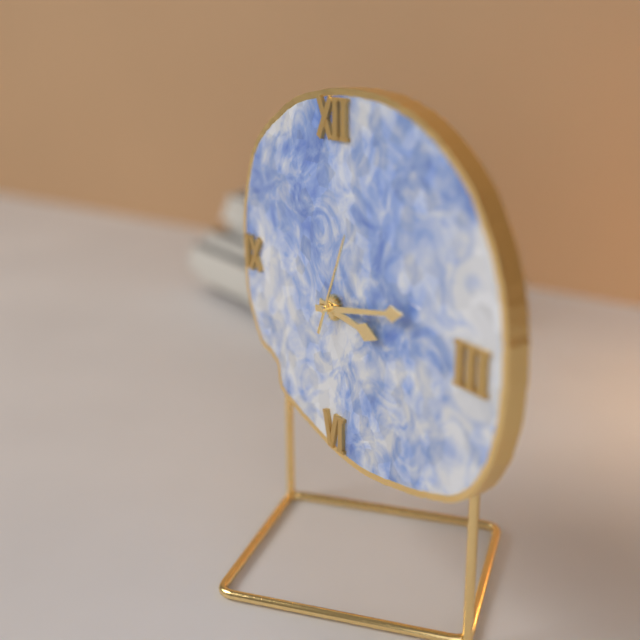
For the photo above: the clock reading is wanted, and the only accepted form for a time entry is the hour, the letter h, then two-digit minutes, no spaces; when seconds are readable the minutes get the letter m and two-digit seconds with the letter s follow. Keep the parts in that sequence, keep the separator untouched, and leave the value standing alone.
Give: 3h13m04s
